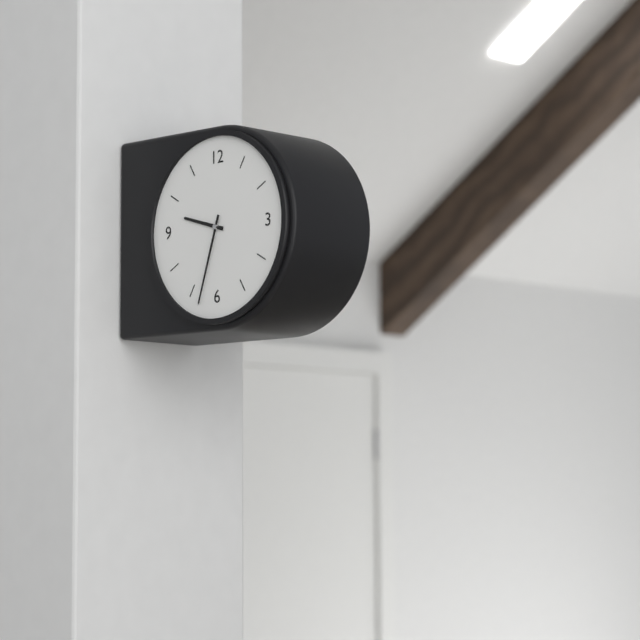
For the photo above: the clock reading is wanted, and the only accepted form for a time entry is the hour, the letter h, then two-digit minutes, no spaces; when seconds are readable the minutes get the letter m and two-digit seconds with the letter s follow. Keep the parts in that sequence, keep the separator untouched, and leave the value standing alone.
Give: 9h33
